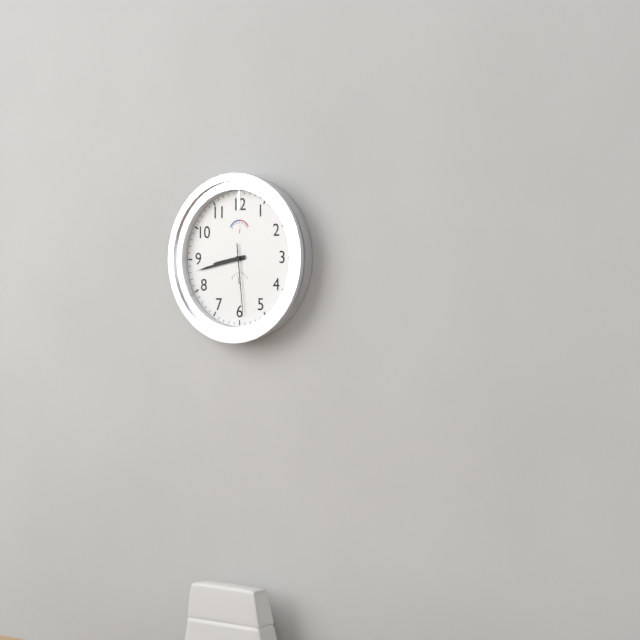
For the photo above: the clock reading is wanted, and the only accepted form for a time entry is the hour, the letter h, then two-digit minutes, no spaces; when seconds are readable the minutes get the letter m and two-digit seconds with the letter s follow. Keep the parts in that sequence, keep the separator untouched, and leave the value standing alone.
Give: 8h43m29s
